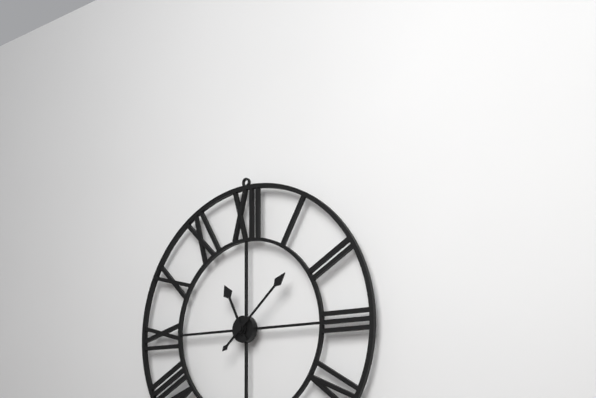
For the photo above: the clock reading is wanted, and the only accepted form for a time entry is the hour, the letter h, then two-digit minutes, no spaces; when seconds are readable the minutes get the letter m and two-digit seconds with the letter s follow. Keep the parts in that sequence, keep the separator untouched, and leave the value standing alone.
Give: 11h08
